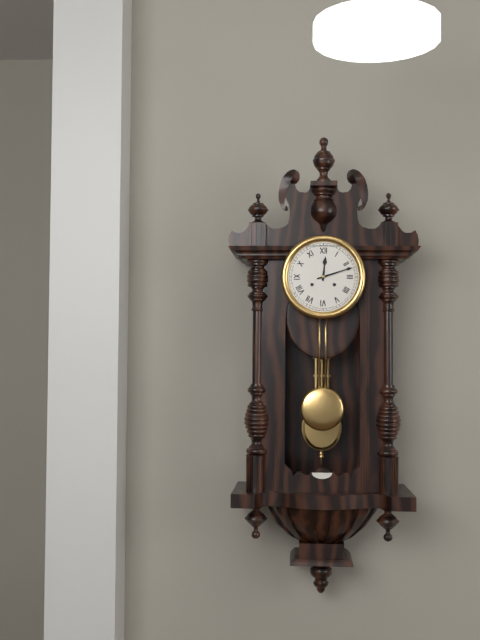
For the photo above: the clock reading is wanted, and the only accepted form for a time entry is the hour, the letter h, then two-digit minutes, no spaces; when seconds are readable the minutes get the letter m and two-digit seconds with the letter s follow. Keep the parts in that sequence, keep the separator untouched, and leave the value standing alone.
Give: 12h12
